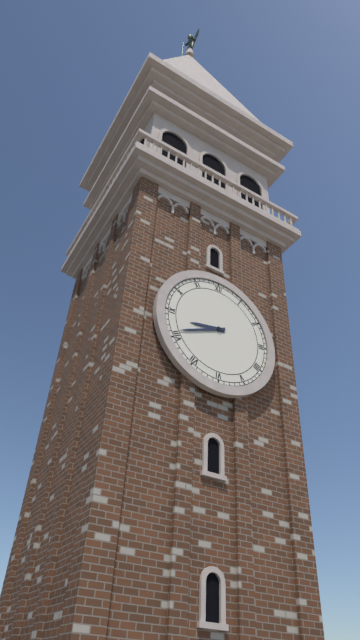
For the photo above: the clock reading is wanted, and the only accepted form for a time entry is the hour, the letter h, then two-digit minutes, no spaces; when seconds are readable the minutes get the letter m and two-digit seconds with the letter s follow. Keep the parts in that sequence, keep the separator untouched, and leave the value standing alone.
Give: 8h41
